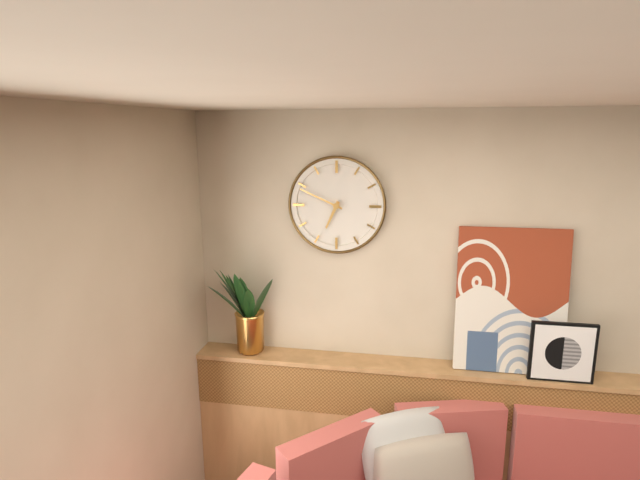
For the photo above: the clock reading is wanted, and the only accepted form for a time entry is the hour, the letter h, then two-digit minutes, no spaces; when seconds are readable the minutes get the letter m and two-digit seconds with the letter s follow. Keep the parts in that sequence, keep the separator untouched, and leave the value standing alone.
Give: 6h49
